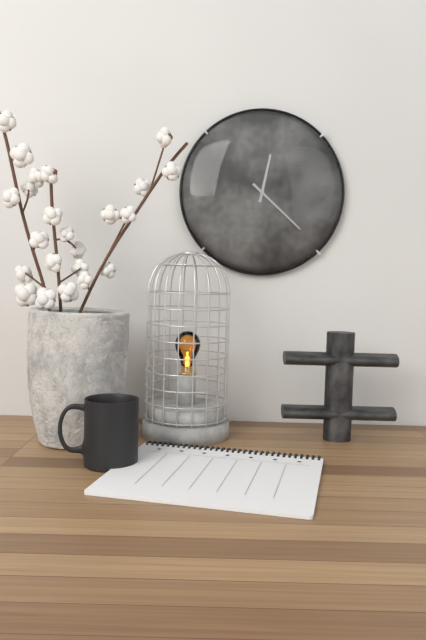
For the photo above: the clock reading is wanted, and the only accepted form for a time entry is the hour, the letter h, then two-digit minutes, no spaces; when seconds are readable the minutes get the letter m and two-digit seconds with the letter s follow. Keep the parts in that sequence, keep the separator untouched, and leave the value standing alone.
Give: 12h22
